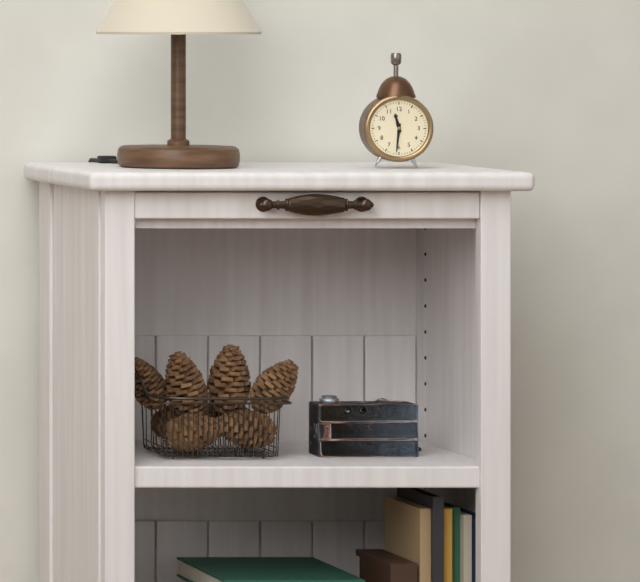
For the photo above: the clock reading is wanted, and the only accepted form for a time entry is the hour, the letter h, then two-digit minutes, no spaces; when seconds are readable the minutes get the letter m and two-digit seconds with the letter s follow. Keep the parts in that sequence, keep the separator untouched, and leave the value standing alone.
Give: 11h31
